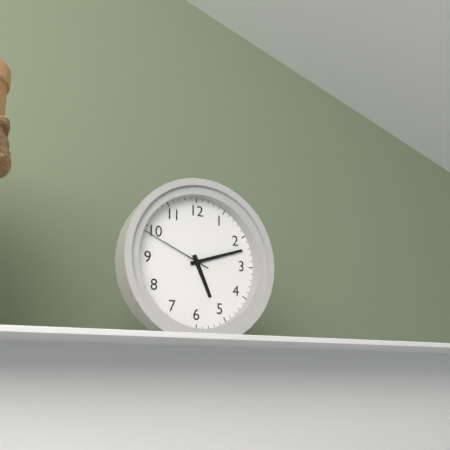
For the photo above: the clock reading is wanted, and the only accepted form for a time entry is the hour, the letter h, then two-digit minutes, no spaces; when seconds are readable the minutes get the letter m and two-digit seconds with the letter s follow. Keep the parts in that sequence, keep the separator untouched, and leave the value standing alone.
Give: 5h12m49s
